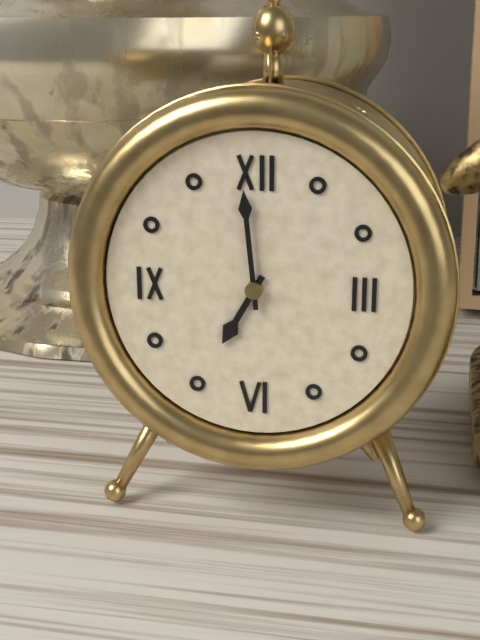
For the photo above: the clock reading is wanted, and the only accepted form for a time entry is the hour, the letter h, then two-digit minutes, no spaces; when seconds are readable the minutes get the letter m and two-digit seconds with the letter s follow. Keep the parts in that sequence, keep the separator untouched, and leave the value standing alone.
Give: 6h59
